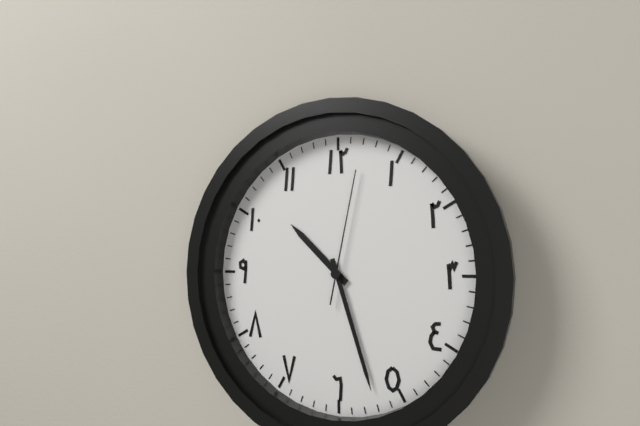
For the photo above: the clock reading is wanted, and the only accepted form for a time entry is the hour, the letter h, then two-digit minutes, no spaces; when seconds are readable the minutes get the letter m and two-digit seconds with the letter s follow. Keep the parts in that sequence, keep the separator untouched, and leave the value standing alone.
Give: 10h27m02s
